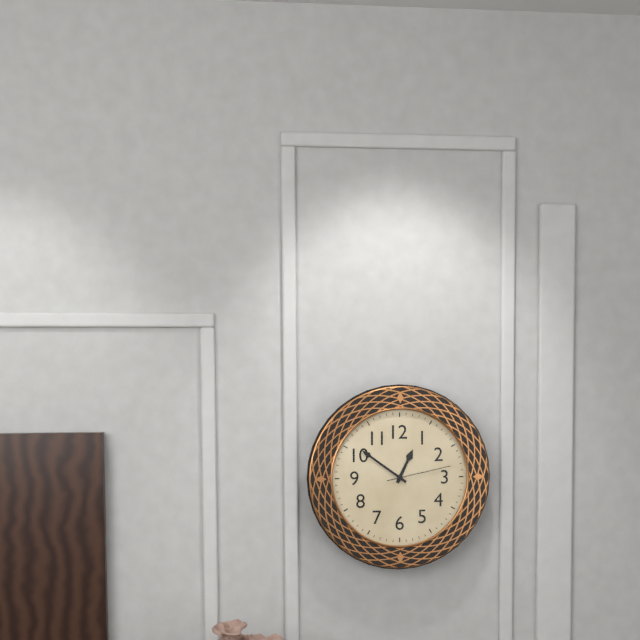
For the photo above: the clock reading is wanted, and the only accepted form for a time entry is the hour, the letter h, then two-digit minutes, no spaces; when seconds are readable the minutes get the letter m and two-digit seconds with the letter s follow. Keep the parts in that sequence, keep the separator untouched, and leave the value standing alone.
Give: 12h51m13s
